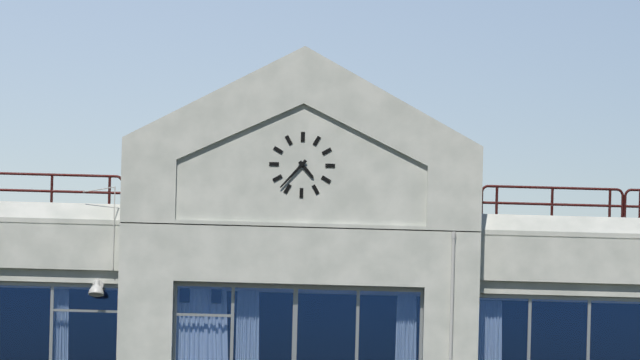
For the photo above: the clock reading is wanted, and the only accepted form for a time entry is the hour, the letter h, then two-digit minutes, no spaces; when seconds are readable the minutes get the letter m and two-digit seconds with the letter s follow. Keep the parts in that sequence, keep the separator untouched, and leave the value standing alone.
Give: 4h37
